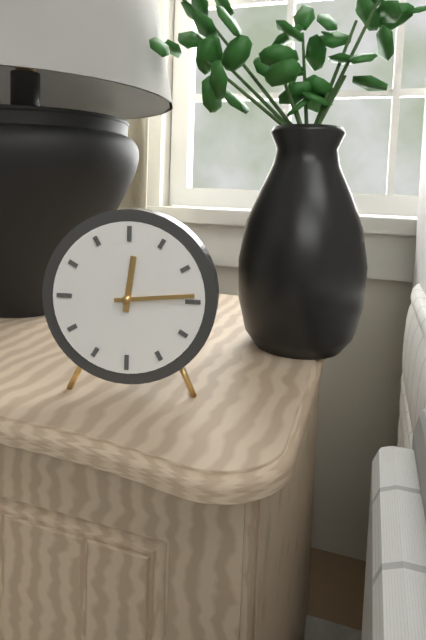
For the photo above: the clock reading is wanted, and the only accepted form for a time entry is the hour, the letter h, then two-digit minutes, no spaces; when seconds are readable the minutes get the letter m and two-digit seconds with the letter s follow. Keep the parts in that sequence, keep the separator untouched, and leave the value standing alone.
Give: 12h14
